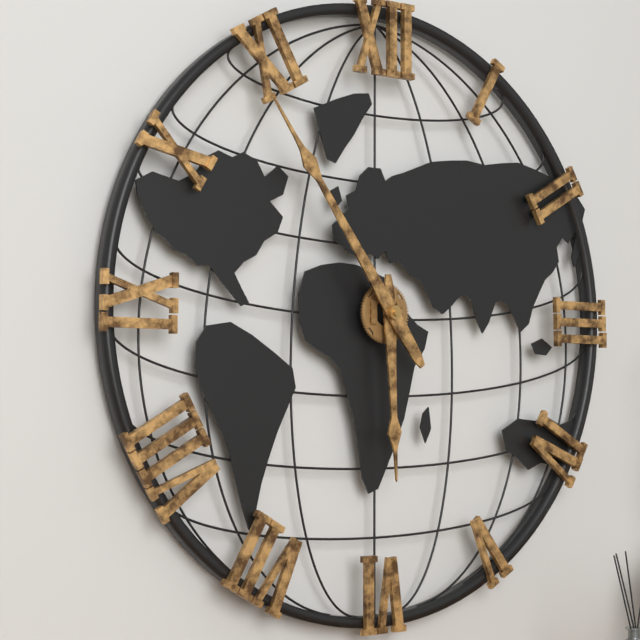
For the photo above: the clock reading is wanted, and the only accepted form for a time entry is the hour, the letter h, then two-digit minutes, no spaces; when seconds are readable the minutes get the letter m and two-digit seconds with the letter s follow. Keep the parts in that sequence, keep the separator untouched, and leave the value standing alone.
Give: 5h54
